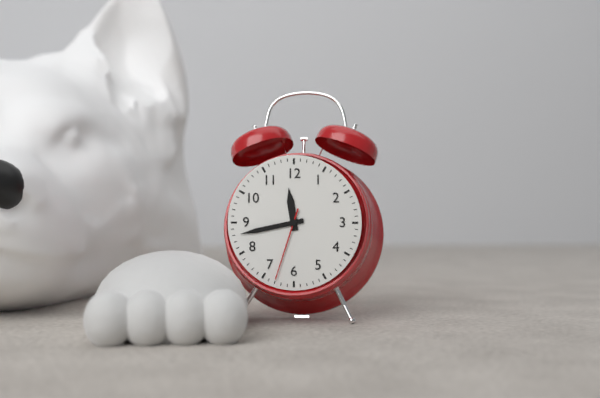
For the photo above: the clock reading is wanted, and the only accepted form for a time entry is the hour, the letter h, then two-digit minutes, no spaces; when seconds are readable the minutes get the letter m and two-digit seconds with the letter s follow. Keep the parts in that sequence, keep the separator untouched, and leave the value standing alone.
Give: 11h43m33s
